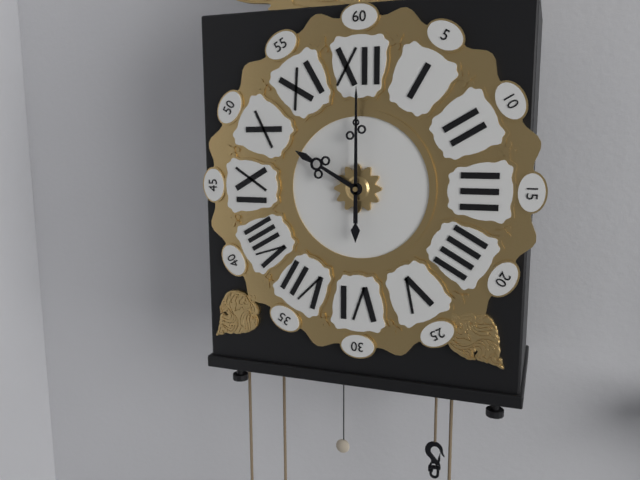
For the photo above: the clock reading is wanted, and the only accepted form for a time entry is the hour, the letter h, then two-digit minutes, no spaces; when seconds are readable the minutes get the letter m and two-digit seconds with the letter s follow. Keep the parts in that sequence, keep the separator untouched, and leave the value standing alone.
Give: 10h00
